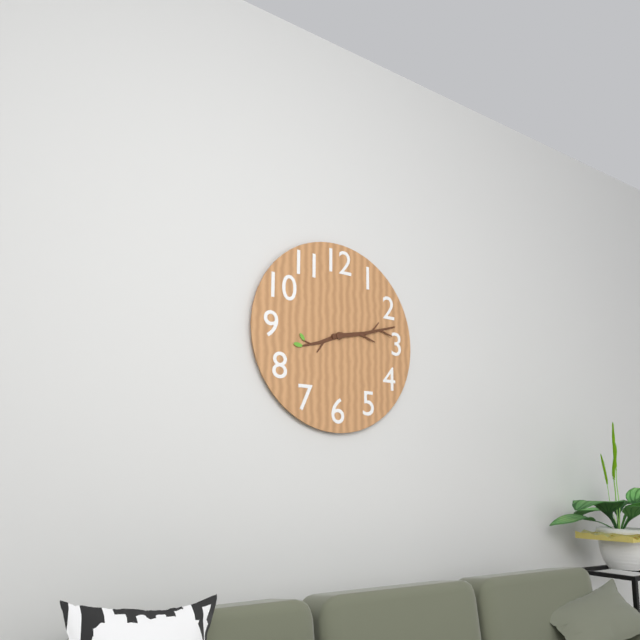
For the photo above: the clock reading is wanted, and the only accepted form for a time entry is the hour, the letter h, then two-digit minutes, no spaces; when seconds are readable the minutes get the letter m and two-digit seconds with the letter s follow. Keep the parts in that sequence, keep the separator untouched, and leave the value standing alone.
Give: 8h13
